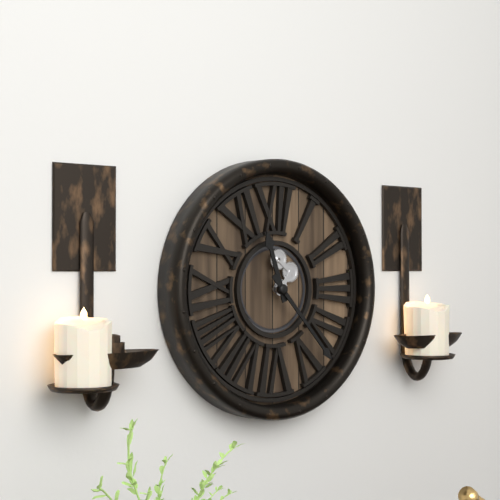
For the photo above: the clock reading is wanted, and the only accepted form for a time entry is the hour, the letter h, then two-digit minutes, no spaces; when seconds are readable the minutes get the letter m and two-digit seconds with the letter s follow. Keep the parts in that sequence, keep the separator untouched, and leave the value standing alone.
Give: 11h23
